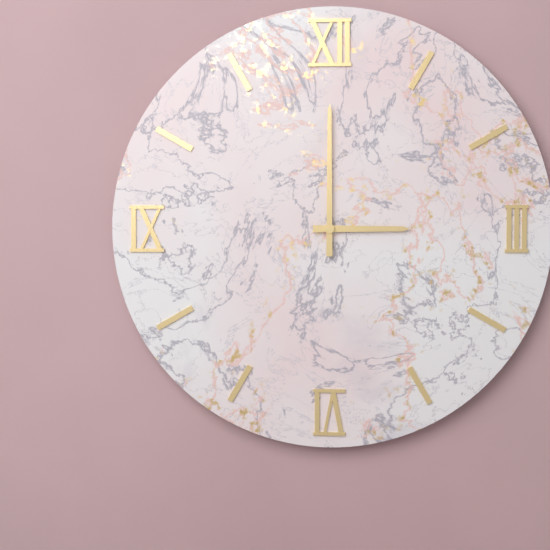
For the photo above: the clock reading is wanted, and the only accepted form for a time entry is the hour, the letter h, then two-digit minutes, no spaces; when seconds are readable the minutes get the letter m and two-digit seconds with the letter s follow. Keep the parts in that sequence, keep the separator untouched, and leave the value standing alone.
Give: 3h00
